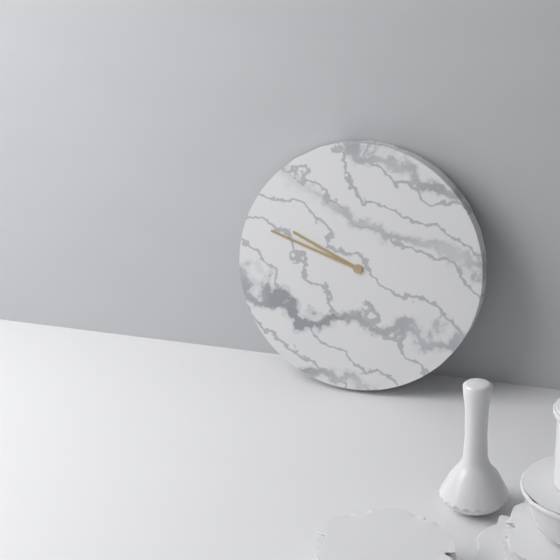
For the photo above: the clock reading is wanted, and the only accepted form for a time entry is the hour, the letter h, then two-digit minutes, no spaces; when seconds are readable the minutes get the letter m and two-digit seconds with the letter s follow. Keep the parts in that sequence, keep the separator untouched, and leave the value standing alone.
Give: 9h48
